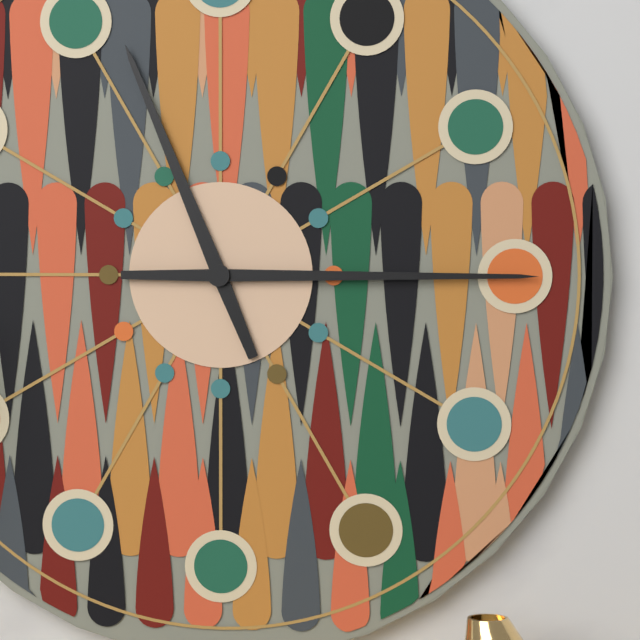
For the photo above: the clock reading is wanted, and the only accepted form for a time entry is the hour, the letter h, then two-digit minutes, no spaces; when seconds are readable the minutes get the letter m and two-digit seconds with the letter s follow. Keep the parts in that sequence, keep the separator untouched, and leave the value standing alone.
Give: 11h15
